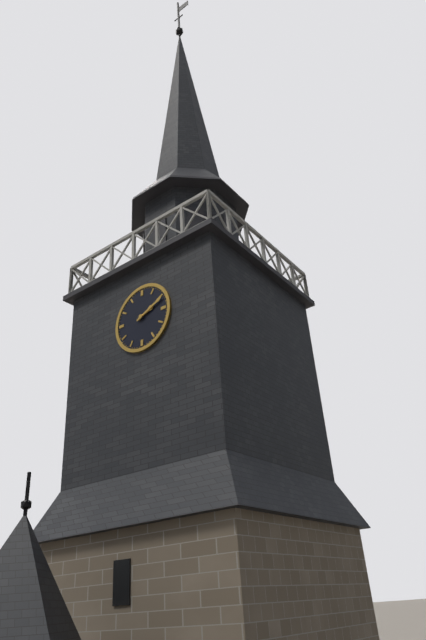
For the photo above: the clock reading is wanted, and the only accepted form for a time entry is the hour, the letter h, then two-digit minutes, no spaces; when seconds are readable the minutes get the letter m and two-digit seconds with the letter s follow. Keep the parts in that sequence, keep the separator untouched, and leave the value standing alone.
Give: 2h11
